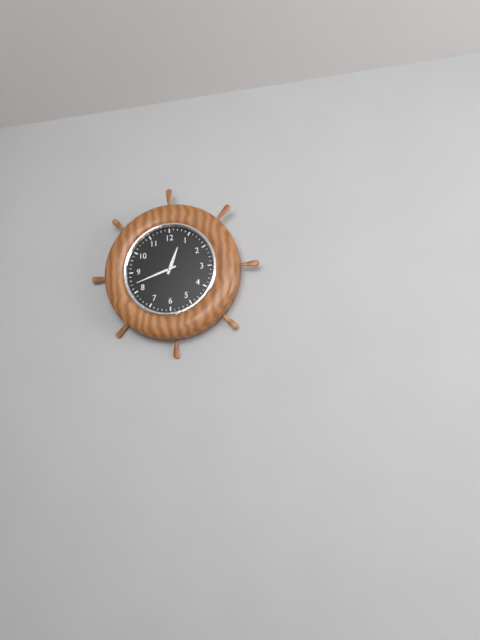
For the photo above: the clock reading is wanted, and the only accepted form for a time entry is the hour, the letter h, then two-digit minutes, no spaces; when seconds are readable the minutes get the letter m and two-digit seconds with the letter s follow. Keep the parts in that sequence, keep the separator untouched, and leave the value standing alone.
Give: 12h42
